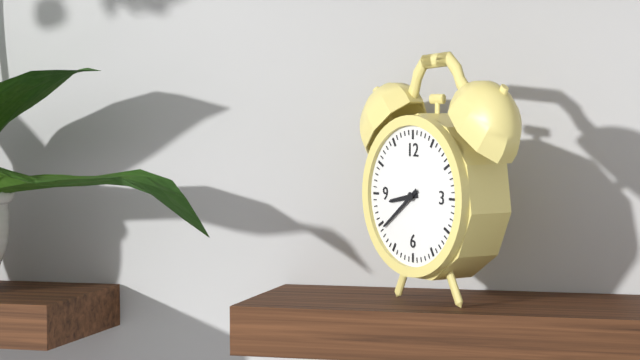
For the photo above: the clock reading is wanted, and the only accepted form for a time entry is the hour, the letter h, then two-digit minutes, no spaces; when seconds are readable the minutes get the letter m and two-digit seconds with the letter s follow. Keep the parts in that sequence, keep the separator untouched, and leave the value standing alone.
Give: 8h39
